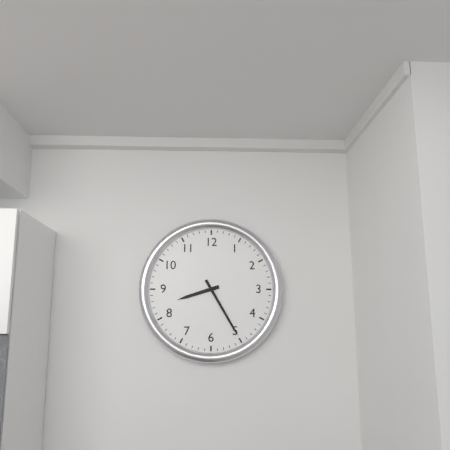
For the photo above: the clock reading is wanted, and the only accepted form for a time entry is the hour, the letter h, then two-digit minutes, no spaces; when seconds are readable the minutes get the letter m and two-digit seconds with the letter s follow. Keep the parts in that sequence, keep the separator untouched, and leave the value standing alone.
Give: 8h25
